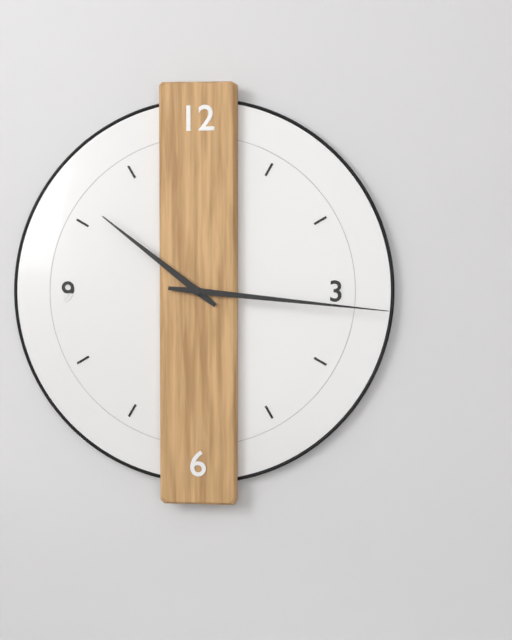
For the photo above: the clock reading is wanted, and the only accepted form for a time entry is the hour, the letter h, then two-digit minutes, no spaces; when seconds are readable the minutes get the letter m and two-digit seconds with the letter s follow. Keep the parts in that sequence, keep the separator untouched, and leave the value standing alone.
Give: 10h16
